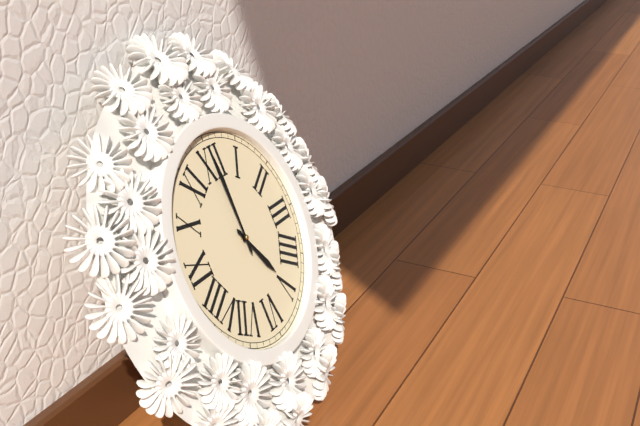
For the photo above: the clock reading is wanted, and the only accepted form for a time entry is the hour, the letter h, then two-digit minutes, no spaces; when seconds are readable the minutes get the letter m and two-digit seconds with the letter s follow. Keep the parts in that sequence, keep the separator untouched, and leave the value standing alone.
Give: 5h00
